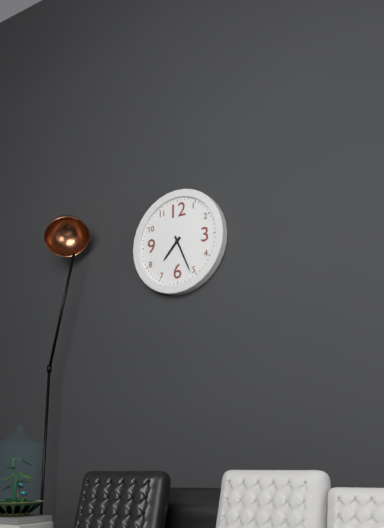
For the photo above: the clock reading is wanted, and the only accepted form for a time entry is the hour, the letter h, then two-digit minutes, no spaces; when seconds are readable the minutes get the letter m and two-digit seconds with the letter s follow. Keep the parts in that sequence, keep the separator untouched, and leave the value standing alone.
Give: 7h26
